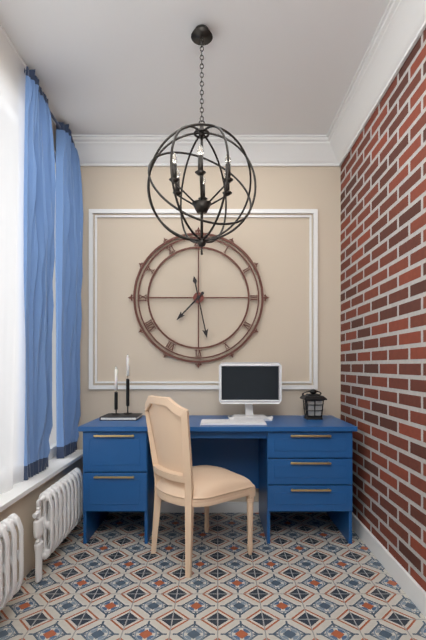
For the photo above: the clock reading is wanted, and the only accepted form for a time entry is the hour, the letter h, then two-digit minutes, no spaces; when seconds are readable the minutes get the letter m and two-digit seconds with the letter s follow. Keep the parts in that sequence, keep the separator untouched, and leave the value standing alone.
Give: 7h28
